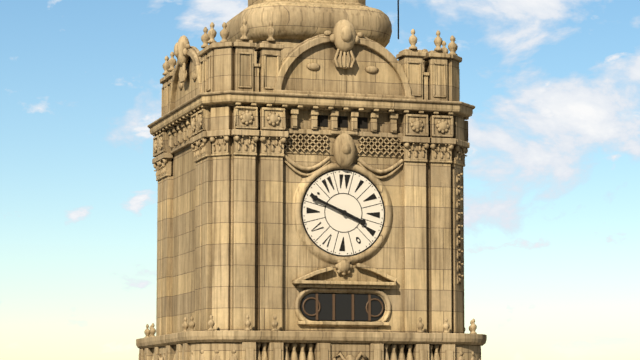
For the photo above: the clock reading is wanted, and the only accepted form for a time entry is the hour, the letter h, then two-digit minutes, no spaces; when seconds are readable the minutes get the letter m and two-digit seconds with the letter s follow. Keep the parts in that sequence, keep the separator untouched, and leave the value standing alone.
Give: 3h49
